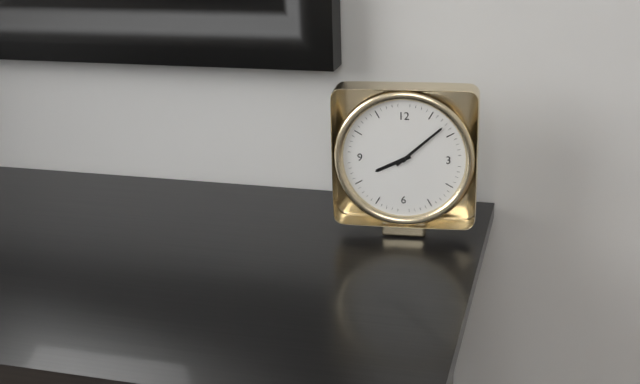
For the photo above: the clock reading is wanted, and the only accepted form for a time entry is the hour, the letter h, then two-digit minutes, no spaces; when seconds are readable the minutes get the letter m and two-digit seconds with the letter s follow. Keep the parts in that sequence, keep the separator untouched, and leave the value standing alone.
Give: 8h08
